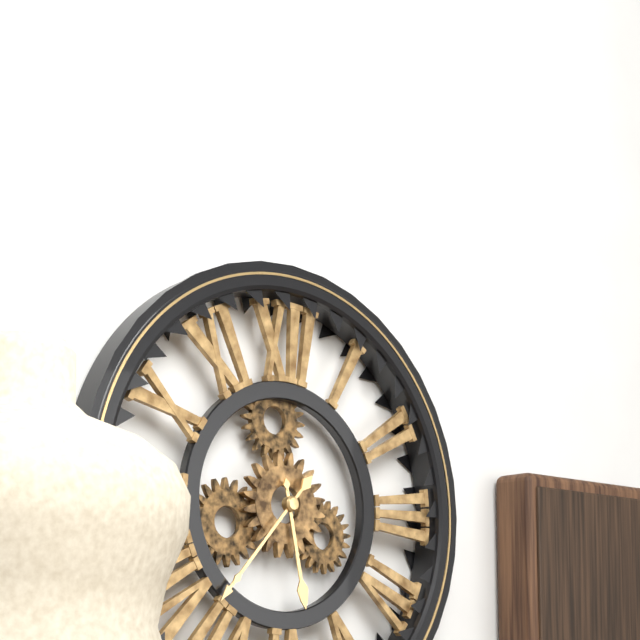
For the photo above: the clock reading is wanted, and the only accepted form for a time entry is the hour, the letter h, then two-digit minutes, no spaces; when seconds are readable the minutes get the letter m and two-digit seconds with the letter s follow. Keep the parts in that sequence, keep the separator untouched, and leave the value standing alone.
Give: 5h37
